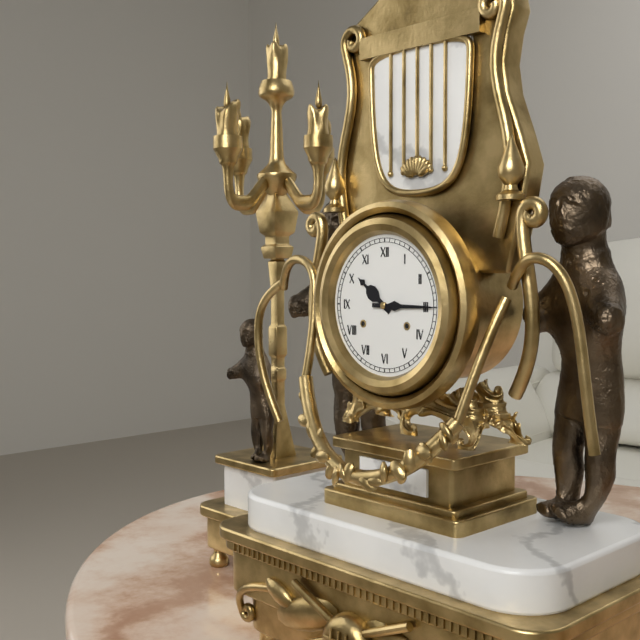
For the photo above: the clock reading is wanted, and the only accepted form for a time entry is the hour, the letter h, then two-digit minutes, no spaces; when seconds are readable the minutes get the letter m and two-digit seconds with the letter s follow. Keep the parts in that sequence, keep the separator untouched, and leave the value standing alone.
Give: 10h15
